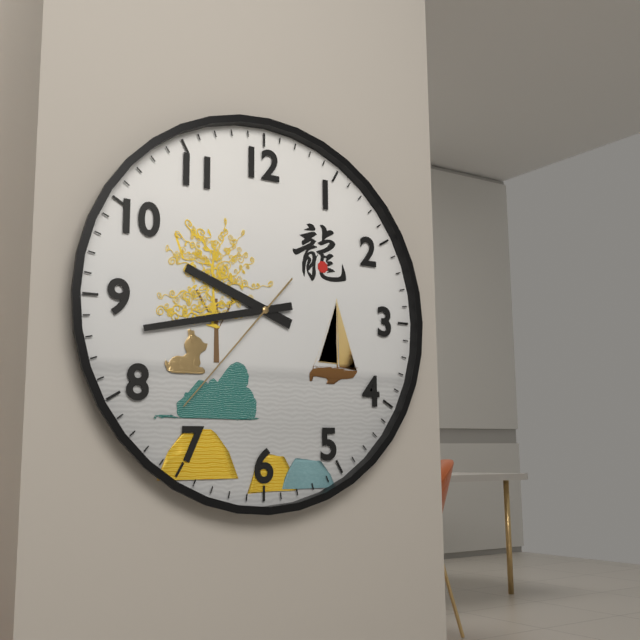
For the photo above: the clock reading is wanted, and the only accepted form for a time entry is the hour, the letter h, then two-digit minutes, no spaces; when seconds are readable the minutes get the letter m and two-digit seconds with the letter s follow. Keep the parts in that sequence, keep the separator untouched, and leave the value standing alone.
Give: 9h43m37s
